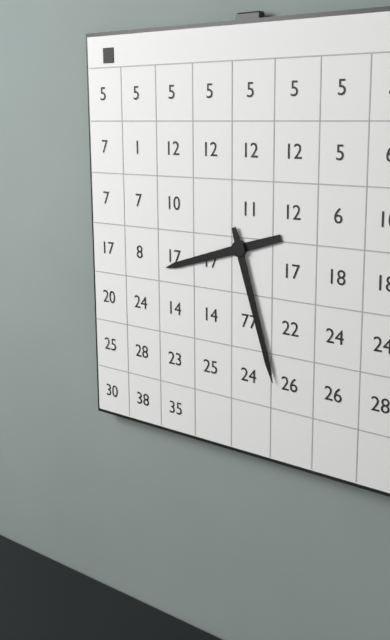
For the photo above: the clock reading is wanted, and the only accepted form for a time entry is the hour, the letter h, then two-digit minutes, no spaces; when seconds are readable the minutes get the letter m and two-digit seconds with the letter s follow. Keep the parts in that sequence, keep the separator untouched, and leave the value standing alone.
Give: 8h27
